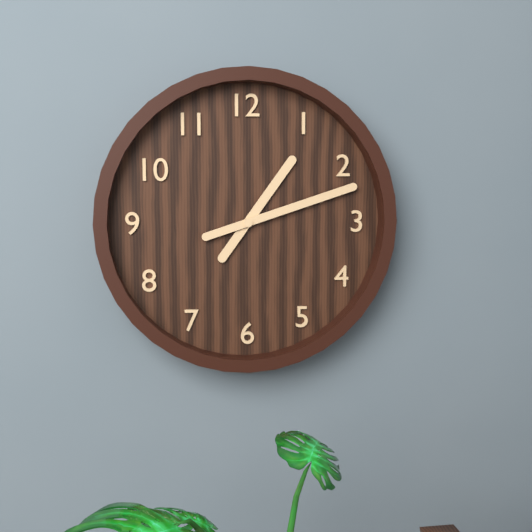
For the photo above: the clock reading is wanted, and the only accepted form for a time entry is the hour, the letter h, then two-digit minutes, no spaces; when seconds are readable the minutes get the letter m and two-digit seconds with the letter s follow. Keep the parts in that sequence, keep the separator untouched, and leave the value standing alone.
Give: 1h12
